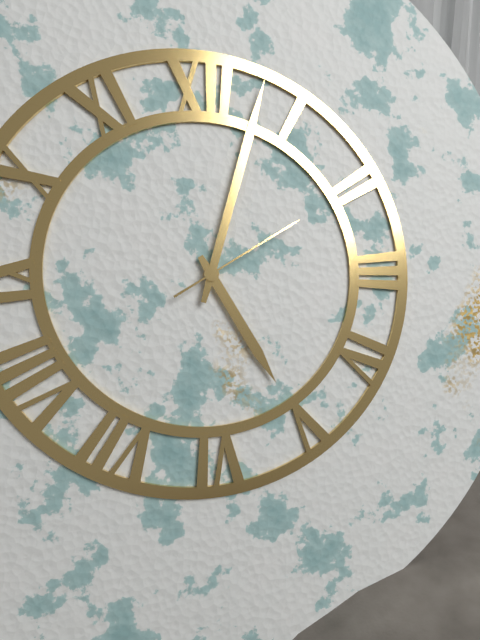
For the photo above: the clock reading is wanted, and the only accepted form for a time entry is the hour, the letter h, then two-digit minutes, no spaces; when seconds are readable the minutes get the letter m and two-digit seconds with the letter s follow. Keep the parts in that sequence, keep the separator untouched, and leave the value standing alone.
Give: 5h03m10s
